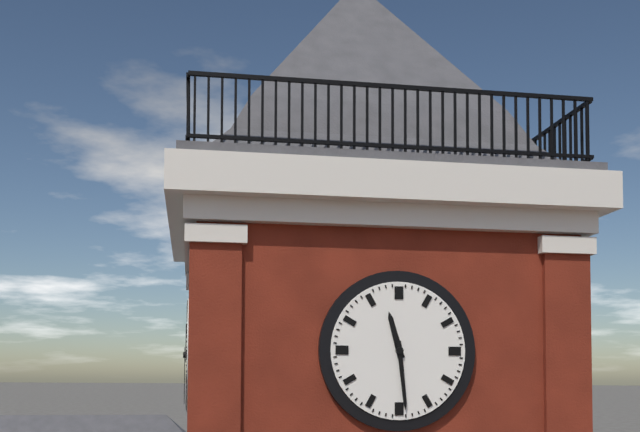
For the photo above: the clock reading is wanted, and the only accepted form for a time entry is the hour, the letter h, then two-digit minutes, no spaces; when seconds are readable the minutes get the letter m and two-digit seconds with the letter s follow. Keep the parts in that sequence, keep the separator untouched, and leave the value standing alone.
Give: 11h29
